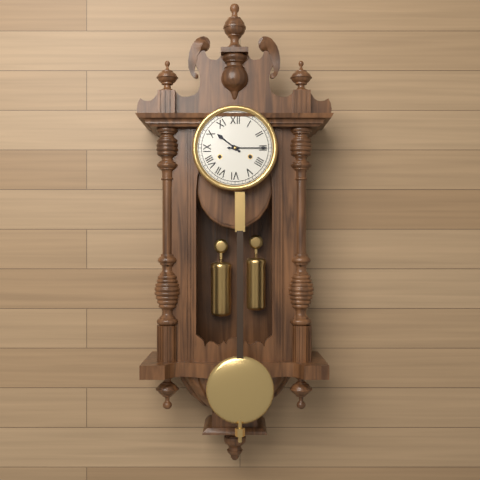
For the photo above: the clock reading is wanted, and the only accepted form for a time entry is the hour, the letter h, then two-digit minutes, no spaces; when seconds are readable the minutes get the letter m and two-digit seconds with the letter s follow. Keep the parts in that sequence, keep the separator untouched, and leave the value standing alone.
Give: 10h15
